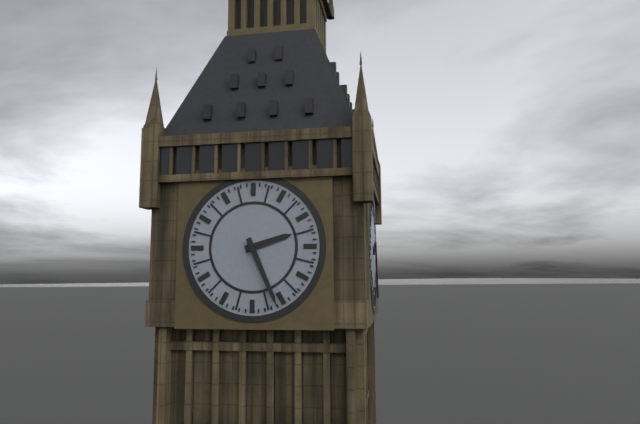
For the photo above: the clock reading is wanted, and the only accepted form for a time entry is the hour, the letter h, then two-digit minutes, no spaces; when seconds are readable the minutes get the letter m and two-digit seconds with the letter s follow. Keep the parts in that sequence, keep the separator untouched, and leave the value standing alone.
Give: 2h26
